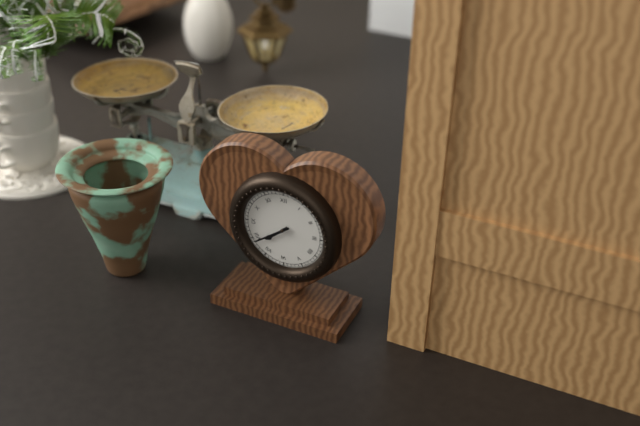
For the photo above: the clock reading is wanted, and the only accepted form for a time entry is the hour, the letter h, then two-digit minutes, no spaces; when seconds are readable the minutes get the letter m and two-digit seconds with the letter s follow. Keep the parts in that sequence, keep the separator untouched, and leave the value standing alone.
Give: 7h39
